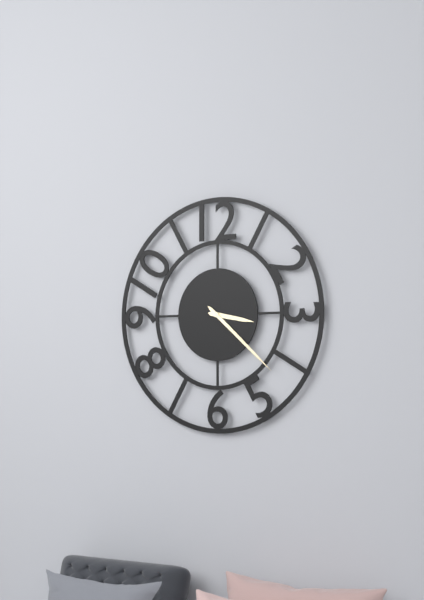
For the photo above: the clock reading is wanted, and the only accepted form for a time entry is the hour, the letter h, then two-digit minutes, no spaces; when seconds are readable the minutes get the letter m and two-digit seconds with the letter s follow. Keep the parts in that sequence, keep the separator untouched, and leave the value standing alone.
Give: 3h22
